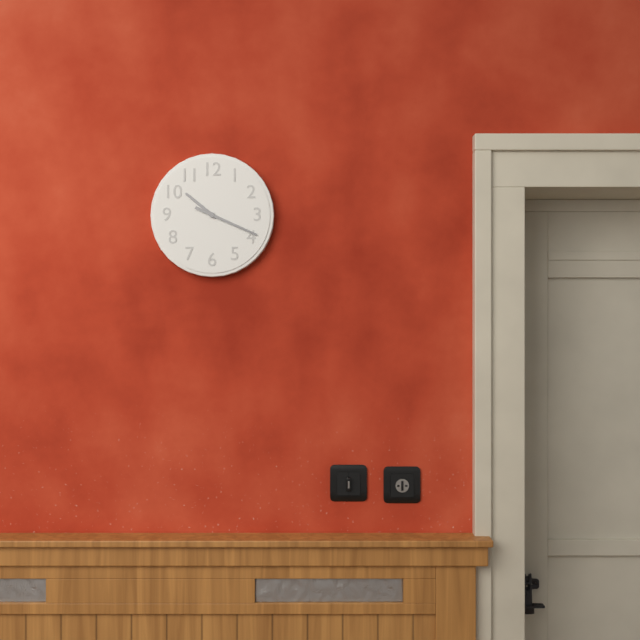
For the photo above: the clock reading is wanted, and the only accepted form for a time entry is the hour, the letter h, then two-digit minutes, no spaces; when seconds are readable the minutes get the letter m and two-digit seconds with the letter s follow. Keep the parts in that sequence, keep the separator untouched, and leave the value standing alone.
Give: 10h19
